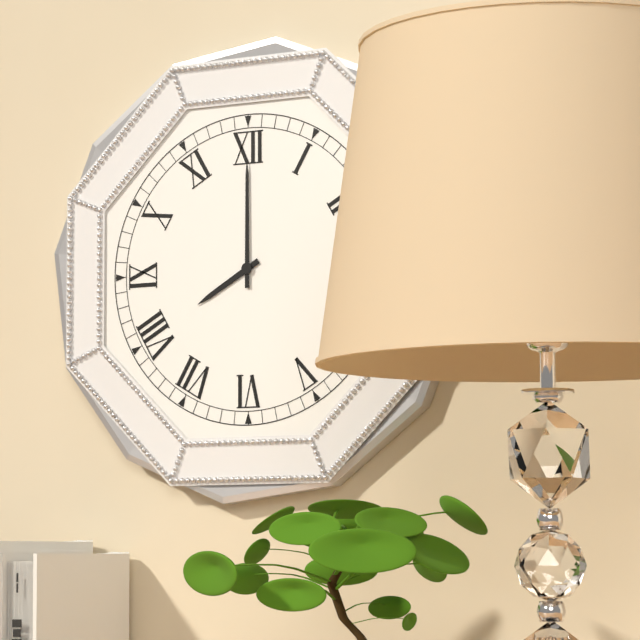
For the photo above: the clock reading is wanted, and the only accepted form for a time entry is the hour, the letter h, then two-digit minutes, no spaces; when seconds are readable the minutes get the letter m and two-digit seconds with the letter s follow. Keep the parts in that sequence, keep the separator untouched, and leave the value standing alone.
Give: 8h00
